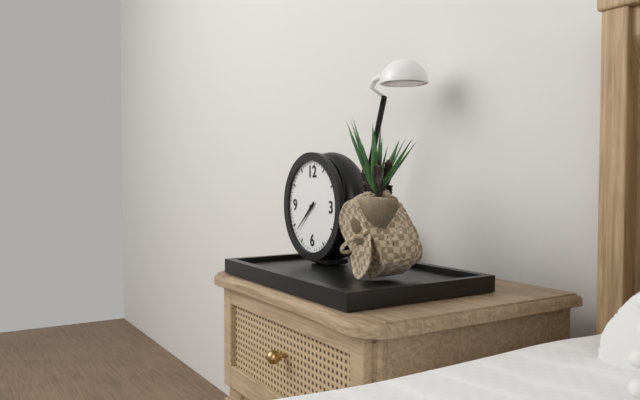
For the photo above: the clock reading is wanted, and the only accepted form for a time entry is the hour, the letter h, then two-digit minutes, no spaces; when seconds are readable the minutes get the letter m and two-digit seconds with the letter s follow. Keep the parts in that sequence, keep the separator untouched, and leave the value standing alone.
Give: 7h38
